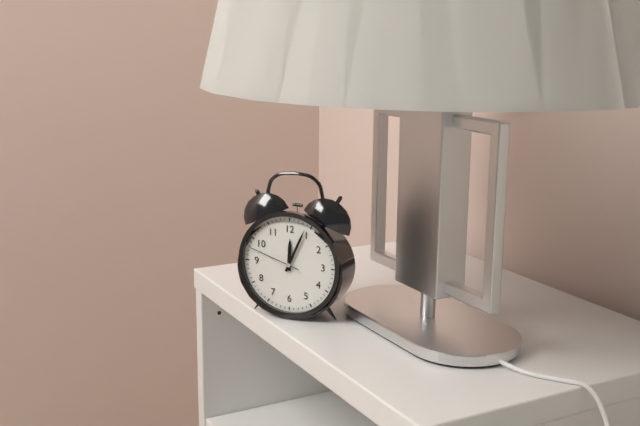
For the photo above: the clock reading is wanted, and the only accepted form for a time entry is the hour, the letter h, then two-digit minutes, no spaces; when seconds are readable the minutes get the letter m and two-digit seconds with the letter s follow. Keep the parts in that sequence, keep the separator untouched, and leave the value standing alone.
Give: 12h04m48s
